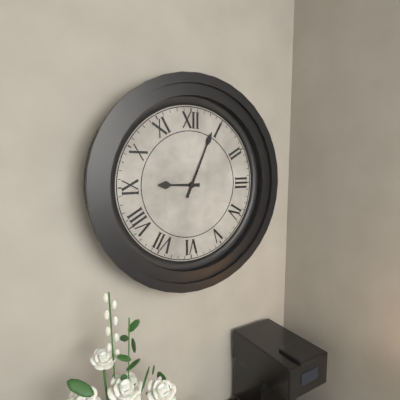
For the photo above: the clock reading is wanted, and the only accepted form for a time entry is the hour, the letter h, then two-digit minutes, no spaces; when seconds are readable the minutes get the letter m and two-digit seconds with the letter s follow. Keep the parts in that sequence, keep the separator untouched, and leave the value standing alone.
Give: 9h04
